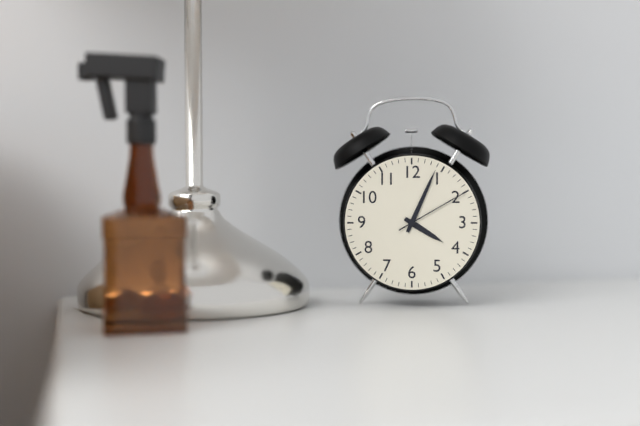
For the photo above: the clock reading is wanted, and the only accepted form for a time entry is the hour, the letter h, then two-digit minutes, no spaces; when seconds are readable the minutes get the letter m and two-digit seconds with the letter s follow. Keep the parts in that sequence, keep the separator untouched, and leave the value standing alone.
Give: 4h04m10s
